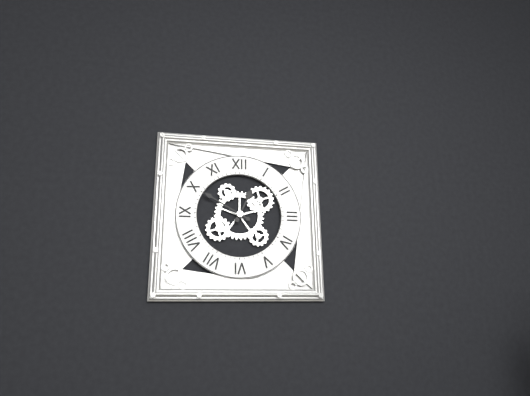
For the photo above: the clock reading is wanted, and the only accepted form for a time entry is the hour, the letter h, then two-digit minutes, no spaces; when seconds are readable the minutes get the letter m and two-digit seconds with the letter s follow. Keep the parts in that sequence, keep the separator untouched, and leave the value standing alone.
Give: 12h50
